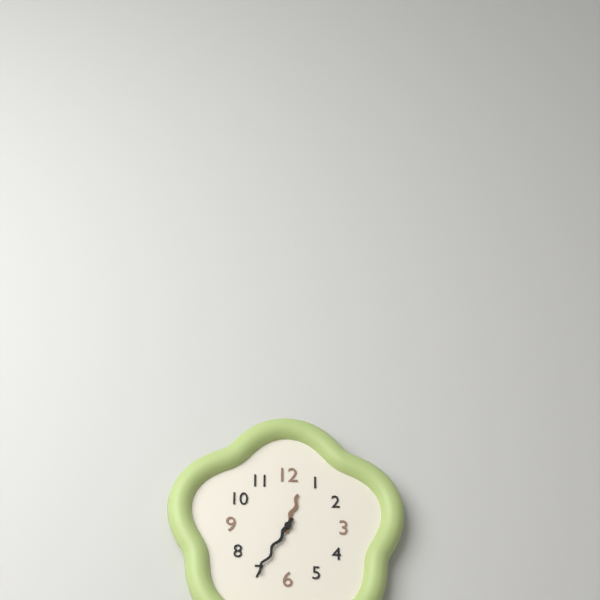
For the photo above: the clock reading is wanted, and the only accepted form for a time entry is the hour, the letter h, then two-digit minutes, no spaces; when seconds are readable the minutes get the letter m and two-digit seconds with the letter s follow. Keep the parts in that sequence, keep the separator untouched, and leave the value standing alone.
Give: 12h35
